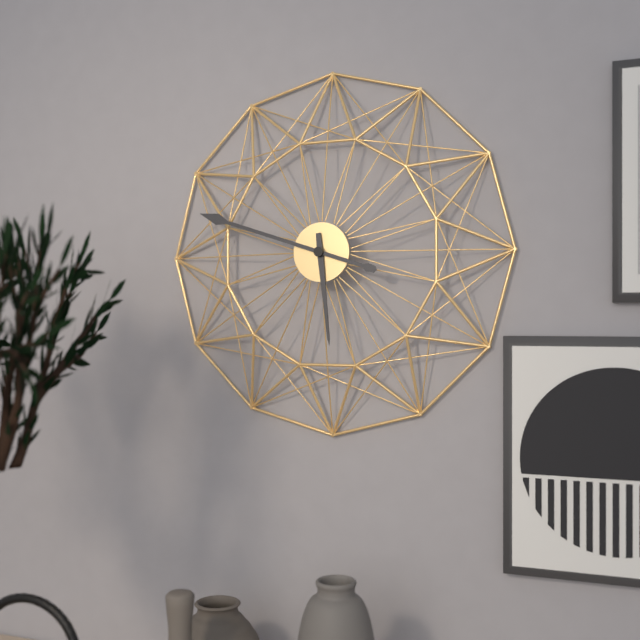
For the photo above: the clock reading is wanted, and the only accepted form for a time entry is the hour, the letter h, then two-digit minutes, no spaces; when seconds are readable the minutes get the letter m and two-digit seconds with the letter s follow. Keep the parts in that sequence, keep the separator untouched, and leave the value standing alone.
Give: 5h48
